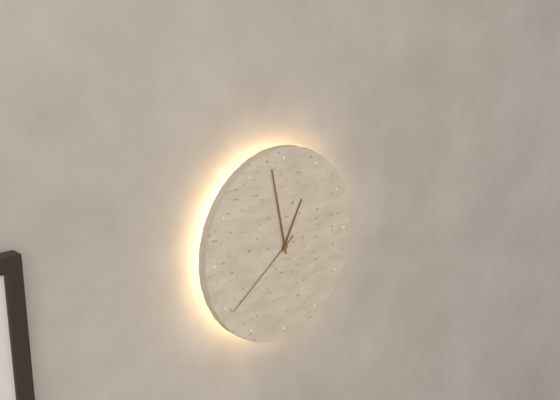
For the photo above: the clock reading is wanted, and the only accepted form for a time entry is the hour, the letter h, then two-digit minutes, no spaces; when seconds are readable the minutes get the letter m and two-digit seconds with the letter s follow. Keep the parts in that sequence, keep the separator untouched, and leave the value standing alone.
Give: 12h58m39s
